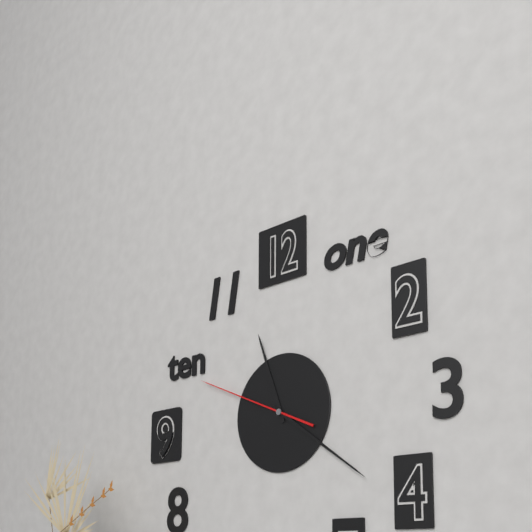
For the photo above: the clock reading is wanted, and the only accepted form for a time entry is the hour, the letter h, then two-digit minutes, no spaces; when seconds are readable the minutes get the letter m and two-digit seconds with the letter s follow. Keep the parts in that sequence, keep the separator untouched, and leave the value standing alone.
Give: 11h21m49s
